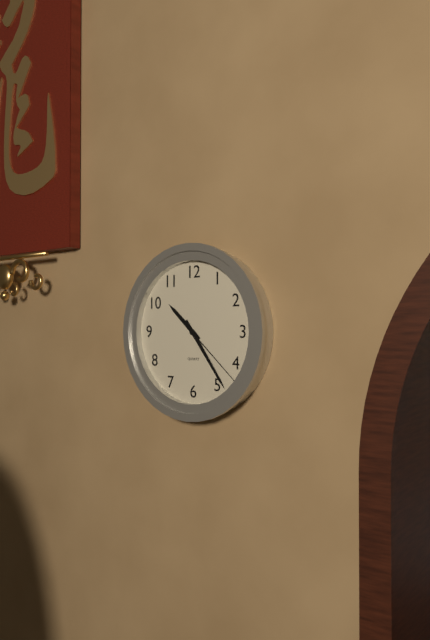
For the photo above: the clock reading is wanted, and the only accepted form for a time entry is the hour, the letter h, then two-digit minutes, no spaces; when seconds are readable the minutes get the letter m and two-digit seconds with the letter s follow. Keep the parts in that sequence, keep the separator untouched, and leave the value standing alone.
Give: 10h24m22s
